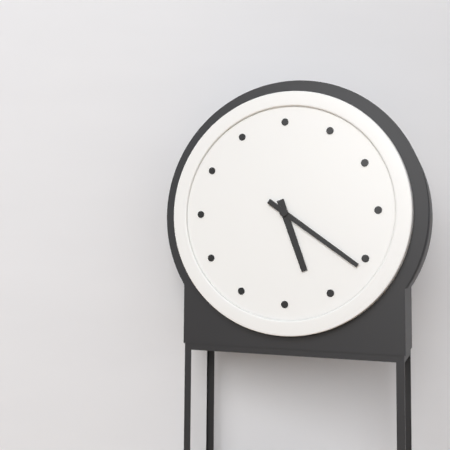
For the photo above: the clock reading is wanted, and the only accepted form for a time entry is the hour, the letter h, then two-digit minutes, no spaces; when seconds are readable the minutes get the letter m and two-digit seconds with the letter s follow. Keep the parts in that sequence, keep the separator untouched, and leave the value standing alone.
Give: 5h21
